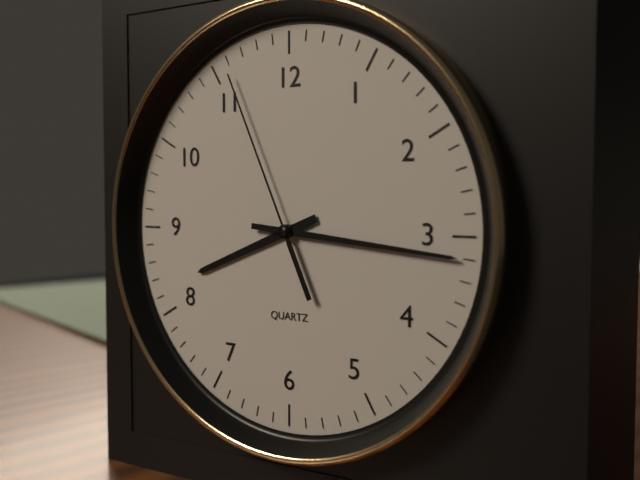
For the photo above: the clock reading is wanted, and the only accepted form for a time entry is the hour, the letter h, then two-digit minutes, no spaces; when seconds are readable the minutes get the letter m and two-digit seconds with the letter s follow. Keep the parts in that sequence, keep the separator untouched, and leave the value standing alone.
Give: 8h16m56s
